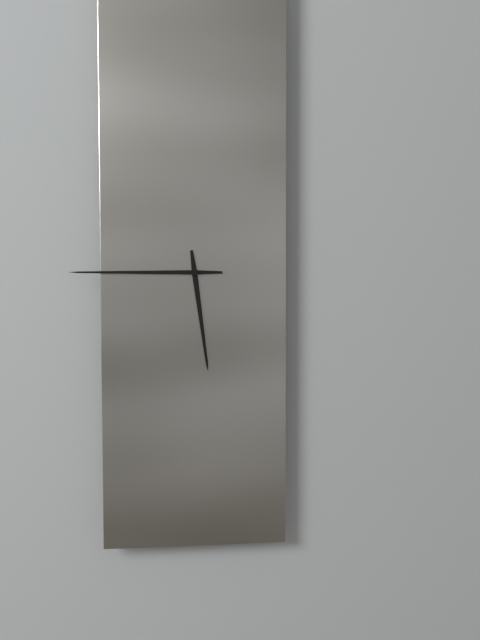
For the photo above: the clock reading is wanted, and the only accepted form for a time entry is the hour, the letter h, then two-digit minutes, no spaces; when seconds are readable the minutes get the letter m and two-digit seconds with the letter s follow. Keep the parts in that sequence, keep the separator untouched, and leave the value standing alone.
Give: 5h45
